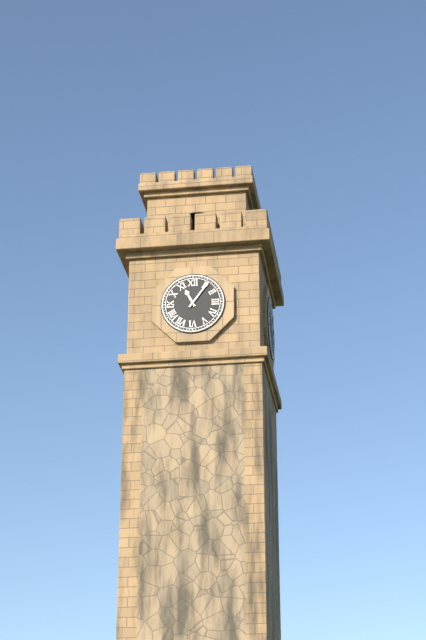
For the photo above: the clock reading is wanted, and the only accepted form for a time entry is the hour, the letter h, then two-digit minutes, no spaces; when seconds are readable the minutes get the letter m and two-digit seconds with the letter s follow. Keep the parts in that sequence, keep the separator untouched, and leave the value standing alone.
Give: 11h06
